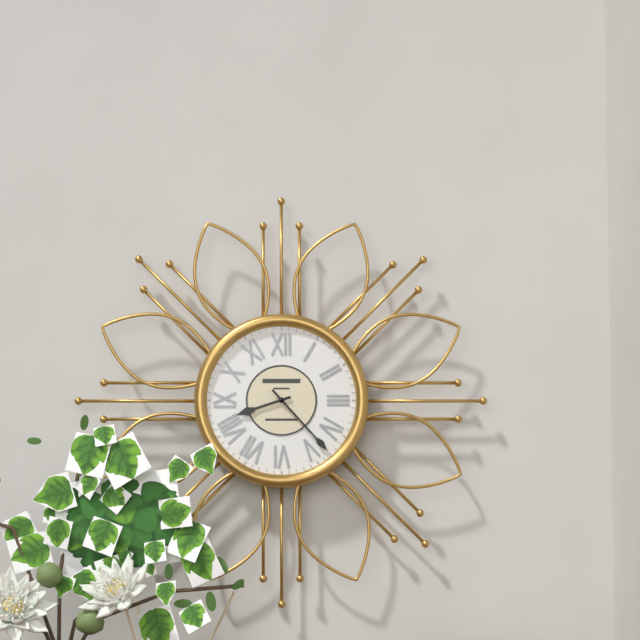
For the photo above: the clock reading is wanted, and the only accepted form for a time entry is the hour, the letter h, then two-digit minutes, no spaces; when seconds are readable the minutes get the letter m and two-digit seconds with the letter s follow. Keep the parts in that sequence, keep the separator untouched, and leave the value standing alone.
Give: 8h23
